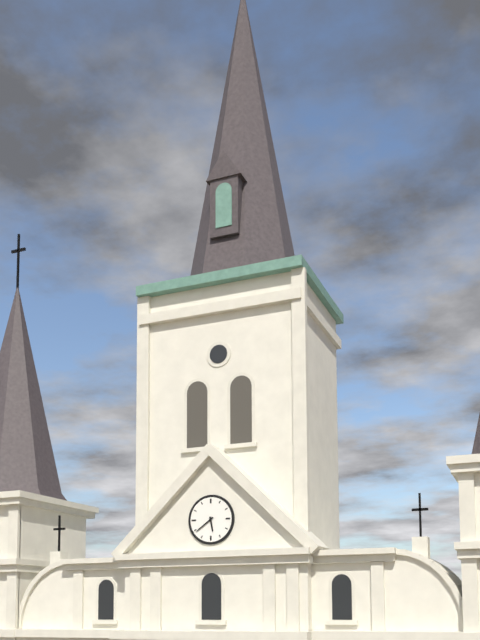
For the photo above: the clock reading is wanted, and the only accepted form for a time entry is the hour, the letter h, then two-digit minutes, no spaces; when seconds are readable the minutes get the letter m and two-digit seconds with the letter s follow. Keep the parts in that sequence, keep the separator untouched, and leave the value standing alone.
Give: 5h39
